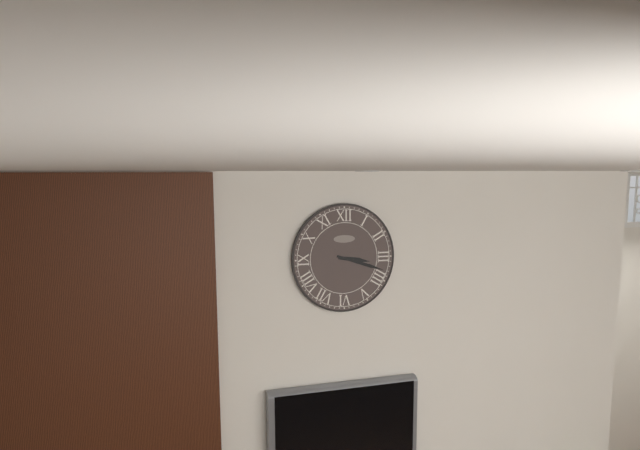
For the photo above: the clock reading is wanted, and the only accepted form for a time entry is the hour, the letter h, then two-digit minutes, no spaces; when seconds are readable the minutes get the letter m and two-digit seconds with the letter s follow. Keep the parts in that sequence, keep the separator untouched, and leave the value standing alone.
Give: 3h18
